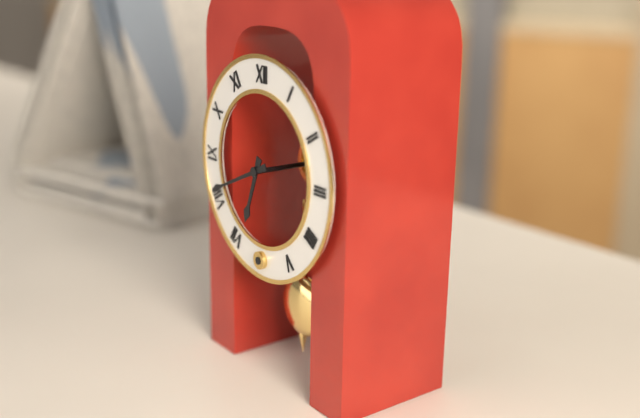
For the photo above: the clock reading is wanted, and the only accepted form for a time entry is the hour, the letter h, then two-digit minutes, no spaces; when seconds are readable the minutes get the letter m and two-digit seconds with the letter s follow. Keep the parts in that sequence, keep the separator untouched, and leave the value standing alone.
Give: 6h41
